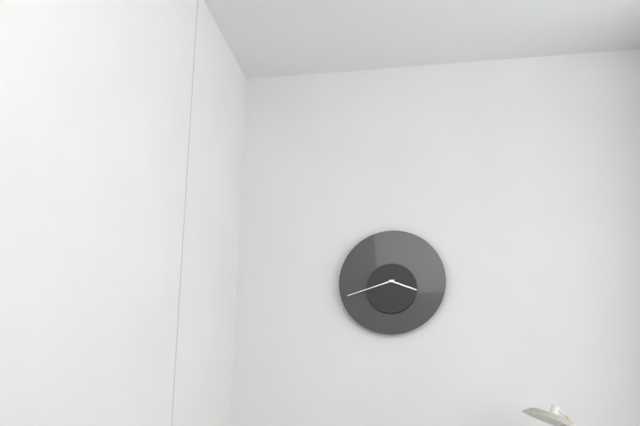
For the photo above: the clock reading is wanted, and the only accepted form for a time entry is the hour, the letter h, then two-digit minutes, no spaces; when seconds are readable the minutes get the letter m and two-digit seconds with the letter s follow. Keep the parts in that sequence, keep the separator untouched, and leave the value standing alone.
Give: 3h42
